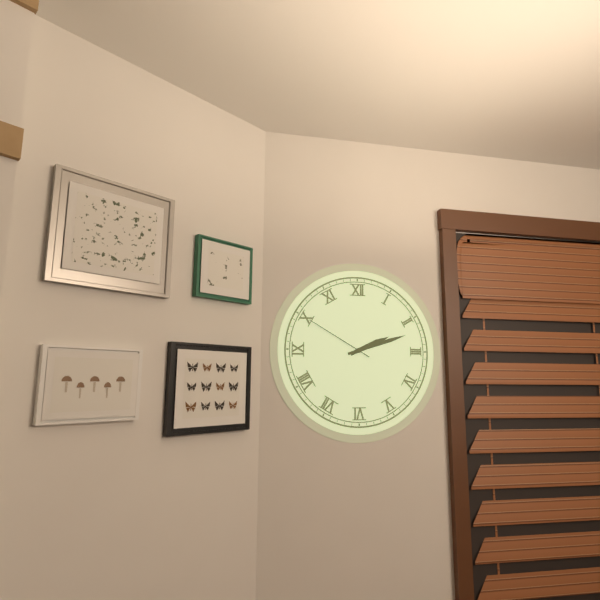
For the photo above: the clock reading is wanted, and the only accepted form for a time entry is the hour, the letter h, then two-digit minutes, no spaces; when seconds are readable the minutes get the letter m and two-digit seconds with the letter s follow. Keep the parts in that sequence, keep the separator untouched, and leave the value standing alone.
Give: 2h12m50s
